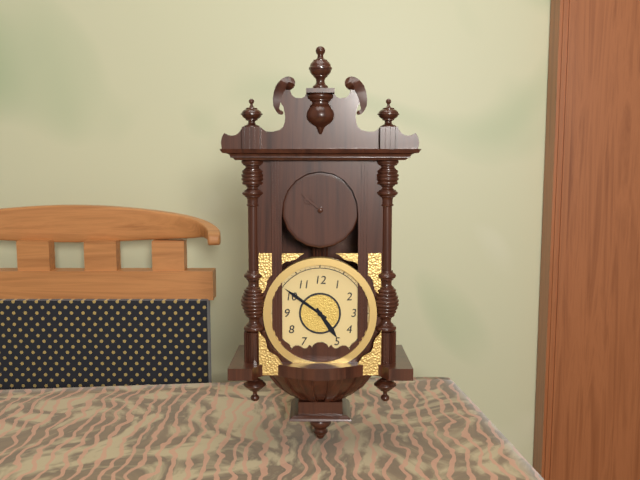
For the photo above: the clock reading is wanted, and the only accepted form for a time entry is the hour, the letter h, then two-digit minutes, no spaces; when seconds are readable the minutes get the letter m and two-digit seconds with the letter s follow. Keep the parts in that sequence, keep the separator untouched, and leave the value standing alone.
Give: 4h51
